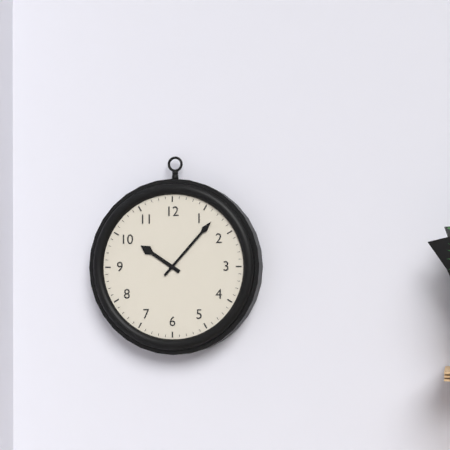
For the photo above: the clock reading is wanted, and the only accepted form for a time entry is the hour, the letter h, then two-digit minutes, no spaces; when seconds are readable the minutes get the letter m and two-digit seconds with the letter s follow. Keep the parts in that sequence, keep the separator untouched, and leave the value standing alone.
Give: 10h07
